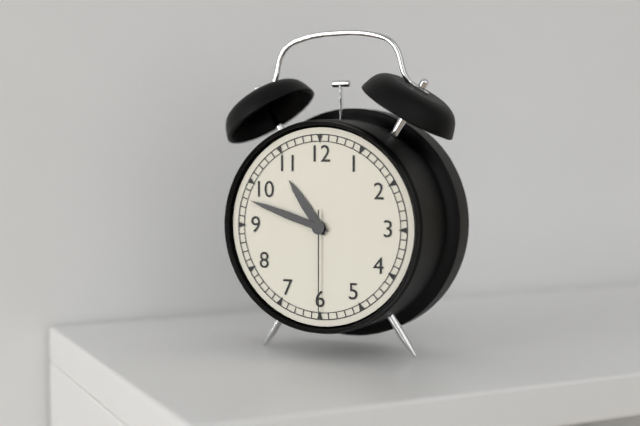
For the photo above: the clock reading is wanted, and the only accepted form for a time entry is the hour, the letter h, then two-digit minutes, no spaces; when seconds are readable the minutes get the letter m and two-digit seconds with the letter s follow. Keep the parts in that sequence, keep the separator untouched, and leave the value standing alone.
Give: 10h48m30s
